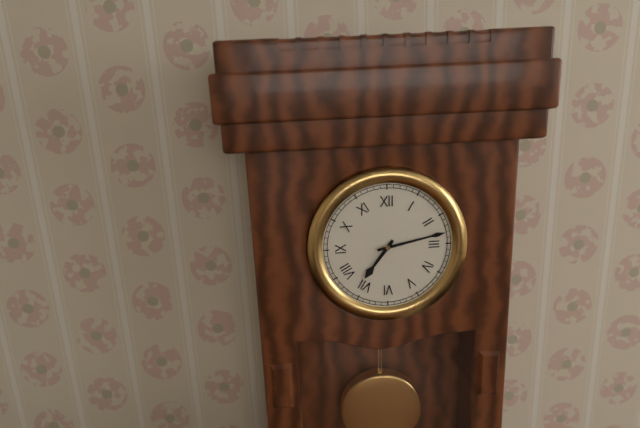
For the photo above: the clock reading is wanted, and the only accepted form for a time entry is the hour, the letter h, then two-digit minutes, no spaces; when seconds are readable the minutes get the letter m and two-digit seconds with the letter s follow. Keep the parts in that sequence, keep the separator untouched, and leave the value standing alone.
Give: 7h13
